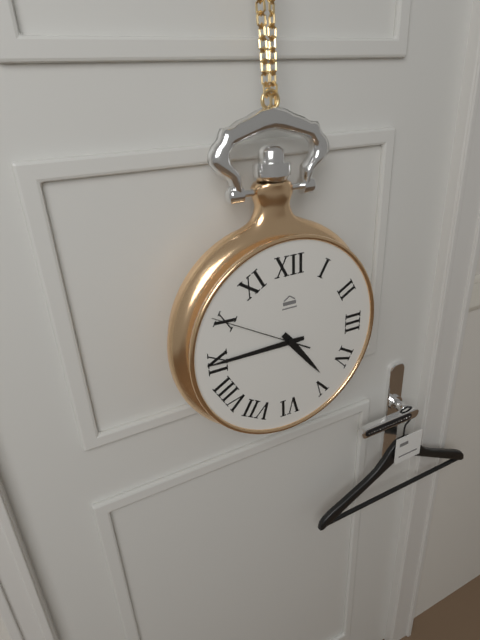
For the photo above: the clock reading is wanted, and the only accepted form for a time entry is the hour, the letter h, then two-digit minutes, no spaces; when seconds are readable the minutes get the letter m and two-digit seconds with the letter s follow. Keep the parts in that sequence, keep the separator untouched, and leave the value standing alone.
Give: 4h45m50s
